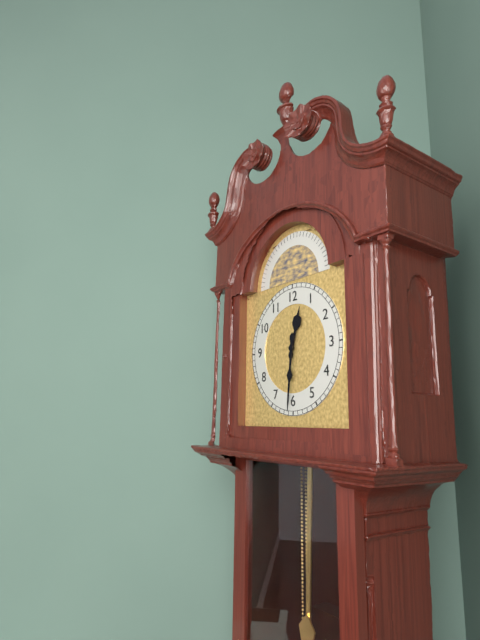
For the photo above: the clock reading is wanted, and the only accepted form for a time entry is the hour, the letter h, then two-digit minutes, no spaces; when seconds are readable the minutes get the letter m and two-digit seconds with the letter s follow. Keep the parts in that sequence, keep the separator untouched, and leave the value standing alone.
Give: 12h31
